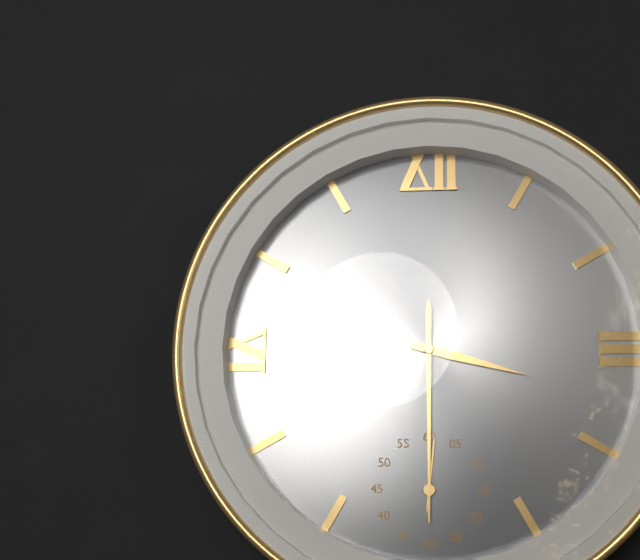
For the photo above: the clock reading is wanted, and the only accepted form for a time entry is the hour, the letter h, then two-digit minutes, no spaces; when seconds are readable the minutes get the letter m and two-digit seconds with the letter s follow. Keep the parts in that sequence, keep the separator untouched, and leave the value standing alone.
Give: 3h30m01s
